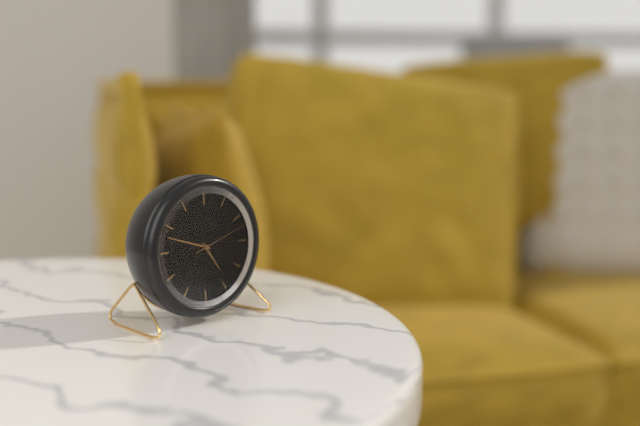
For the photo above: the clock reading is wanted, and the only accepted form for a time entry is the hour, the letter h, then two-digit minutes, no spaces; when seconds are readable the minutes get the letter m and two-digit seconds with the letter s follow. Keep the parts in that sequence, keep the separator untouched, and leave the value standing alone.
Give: 4h48m12s
